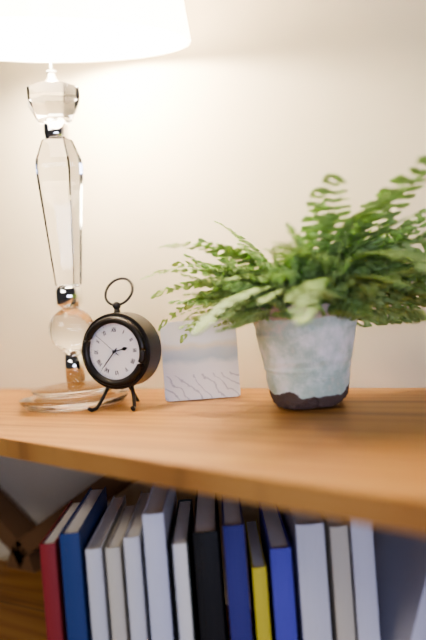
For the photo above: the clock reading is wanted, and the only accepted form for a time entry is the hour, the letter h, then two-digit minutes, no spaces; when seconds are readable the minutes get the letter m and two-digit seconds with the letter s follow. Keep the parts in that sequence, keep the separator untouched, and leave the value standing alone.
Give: 2h37
